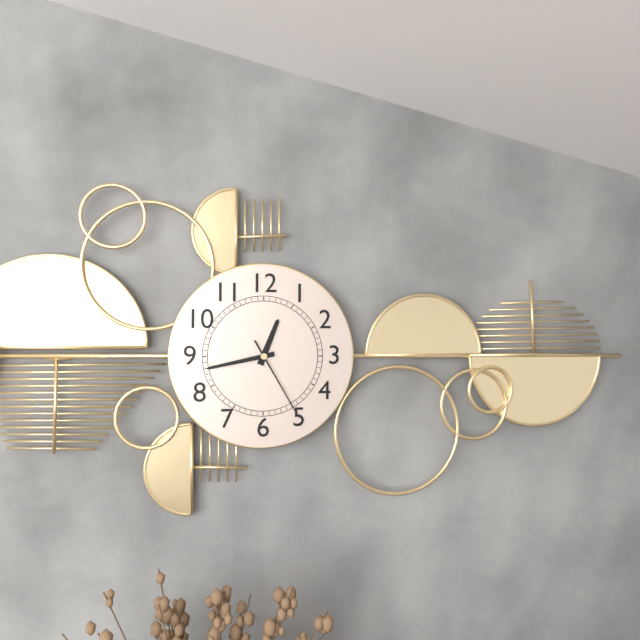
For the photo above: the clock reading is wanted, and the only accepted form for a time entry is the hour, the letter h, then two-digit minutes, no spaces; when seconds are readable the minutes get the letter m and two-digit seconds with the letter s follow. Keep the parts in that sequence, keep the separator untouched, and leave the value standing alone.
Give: 12h43m25s
